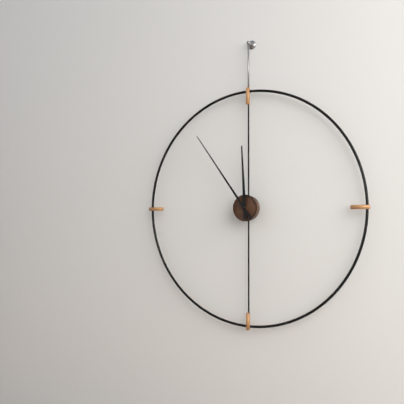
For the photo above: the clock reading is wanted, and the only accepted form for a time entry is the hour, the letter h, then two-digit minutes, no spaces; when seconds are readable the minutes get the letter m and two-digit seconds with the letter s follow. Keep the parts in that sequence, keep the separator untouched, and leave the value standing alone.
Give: 11h54
